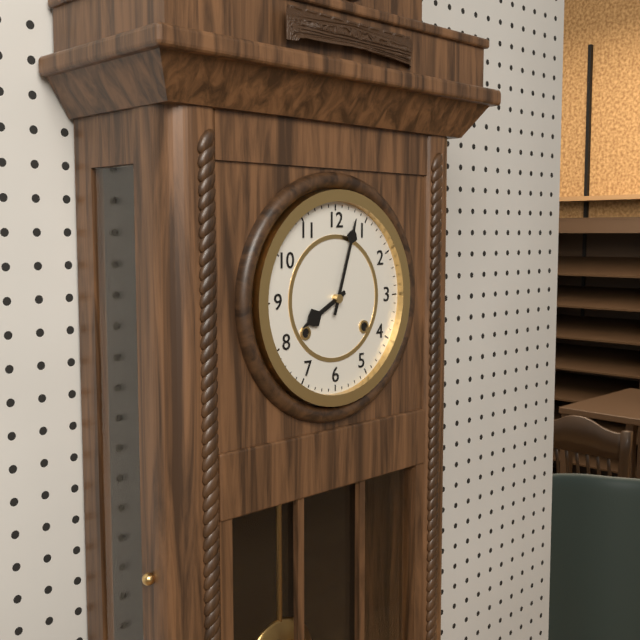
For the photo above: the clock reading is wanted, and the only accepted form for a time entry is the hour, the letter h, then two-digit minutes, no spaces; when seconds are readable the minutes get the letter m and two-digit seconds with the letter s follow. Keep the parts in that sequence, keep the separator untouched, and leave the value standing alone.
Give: 8h03
